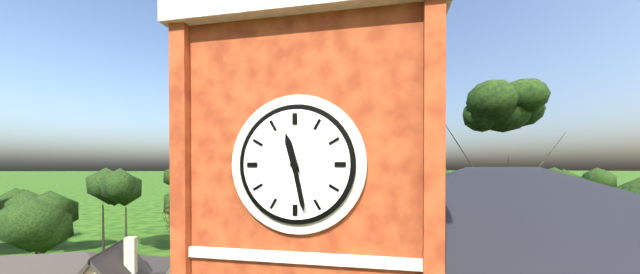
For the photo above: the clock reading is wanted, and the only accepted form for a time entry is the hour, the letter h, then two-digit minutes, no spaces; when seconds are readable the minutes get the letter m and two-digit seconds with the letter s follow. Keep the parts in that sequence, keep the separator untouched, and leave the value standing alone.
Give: 11h28
